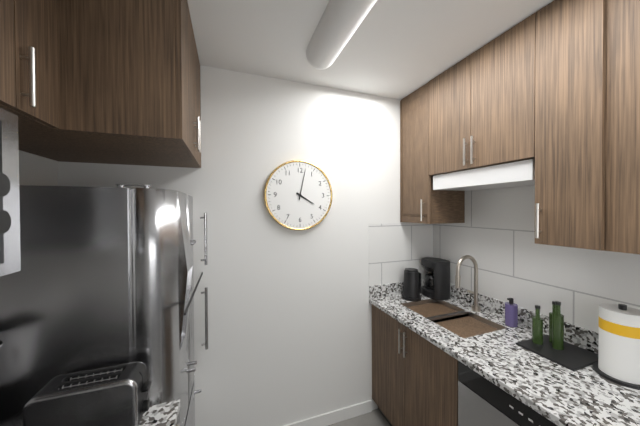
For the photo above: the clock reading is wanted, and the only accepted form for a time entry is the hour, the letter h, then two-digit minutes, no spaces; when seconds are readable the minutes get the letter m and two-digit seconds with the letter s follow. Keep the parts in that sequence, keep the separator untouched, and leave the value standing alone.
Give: 4h02
